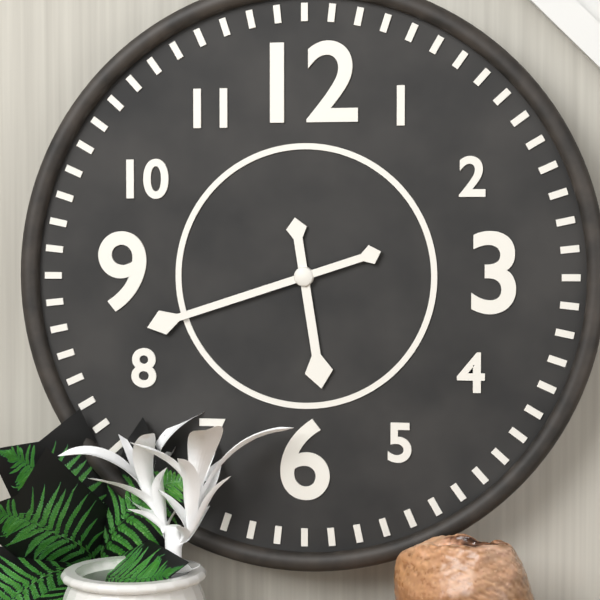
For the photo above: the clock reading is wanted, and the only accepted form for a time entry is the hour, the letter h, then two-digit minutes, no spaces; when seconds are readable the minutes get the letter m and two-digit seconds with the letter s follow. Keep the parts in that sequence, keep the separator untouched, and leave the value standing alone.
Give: 5h42
